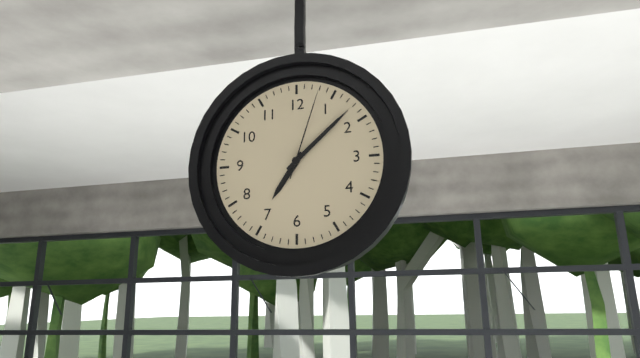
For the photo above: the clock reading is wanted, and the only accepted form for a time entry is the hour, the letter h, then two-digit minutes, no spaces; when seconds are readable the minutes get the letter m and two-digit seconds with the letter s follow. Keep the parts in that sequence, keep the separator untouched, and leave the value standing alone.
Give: 7h08m03s
